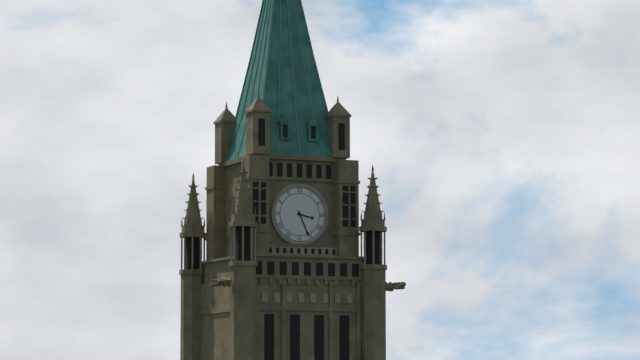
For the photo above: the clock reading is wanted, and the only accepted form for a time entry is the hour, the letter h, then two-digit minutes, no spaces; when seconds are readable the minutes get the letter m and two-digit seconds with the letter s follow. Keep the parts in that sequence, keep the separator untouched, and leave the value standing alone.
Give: 3h26
